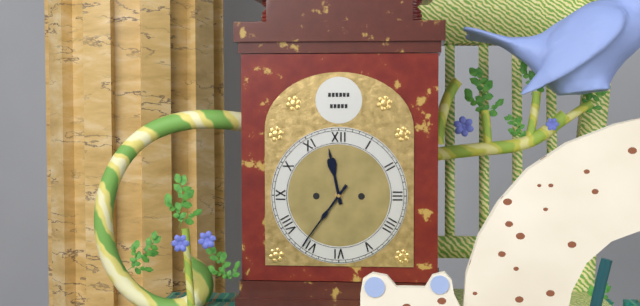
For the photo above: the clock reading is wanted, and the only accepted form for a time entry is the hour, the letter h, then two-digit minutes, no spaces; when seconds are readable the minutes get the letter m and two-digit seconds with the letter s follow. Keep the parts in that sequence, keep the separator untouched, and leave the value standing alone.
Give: 11h36
